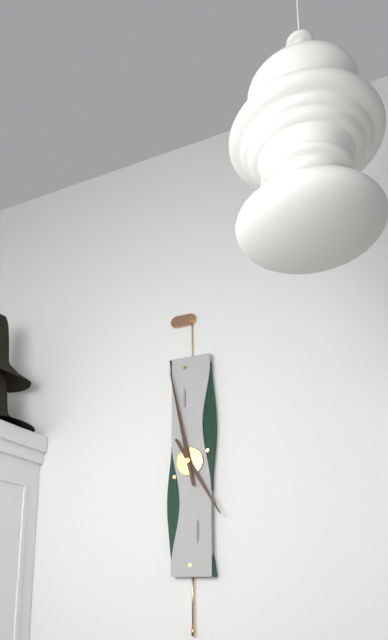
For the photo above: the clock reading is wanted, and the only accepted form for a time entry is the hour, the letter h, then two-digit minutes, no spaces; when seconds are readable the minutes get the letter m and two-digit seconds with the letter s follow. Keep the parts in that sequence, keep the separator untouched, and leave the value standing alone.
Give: 4h58
